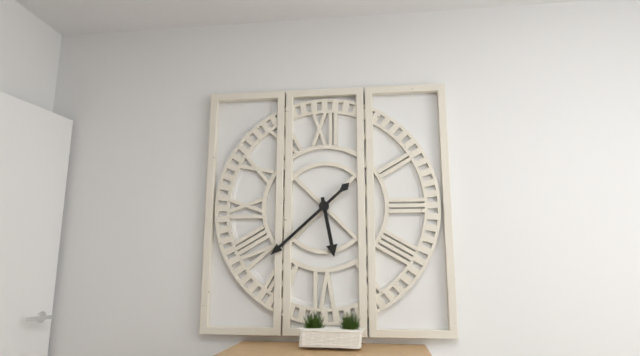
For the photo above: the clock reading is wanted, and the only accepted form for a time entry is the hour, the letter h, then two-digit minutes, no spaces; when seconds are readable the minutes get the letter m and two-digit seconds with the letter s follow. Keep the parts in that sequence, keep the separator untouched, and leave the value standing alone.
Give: 5h38
